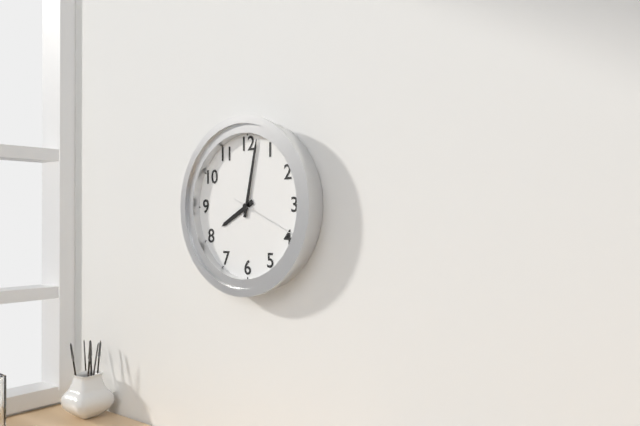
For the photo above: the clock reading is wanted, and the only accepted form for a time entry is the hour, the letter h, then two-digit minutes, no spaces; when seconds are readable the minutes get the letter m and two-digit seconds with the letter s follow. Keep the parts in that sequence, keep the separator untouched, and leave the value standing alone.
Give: 8h02m19s
